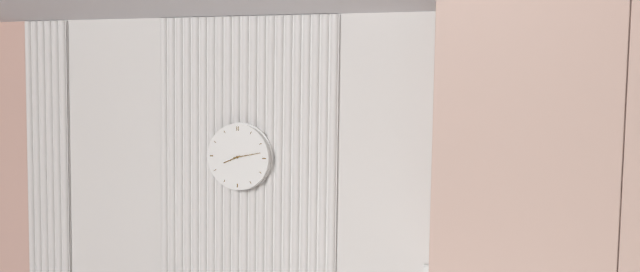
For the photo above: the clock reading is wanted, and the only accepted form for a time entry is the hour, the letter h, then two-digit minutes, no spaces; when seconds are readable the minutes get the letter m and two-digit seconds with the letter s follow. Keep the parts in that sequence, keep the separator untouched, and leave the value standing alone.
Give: 8h13
